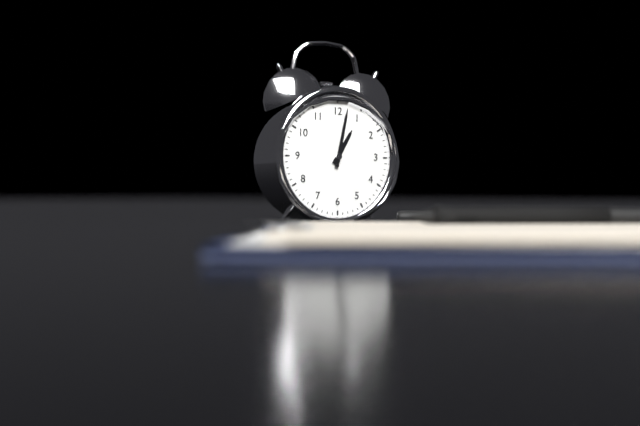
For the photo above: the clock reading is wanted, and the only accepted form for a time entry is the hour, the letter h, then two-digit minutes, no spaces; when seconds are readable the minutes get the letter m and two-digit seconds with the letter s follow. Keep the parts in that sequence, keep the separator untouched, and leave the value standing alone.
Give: 1h02
